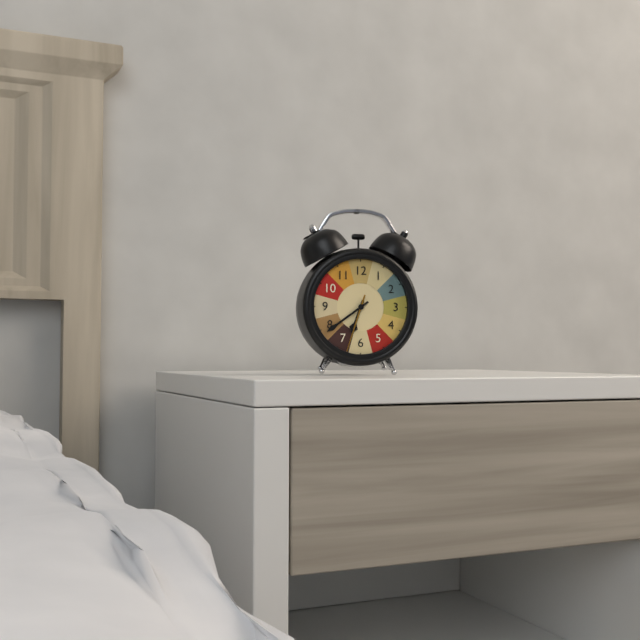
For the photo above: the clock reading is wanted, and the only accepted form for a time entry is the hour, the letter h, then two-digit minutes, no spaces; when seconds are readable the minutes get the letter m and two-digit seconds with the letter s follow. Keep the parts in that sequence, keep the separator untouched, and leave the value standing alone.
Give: 6h39m33s
